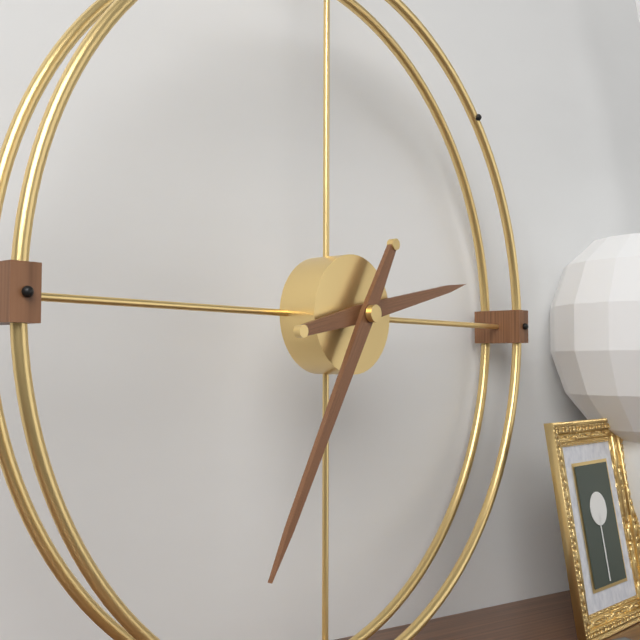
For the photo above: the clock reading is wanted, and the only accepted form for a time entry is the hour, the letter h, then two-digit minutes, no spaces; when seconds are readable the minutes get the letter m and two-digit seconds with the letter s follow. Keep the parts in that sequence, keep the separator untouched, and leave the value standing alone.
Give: 2h35
